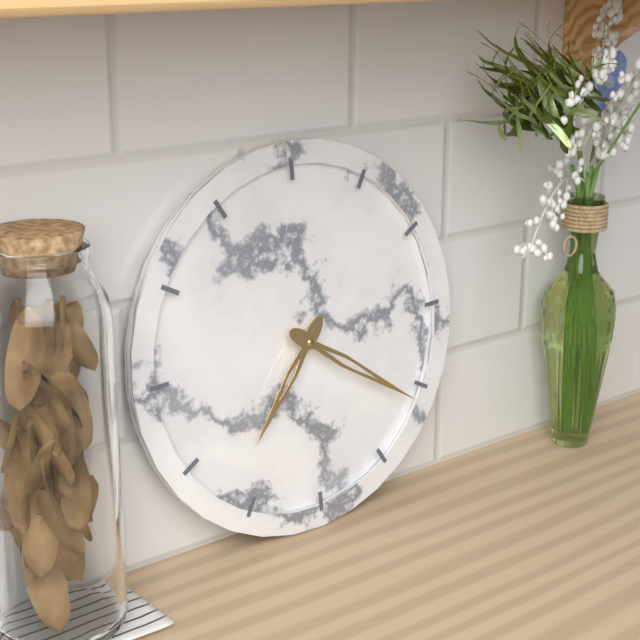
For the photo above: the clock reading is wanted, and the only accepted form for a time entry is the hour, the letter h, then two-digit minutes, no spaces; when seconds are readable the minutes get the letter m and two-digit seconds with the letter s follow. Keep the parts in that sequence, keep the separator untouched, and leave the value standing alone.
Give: 7h21
